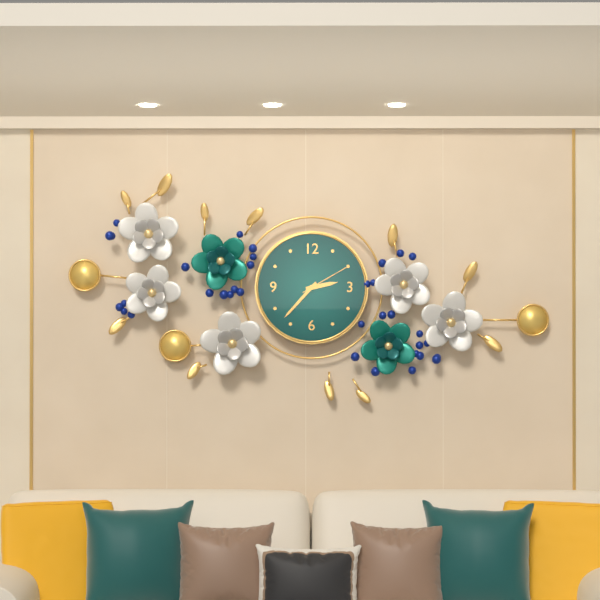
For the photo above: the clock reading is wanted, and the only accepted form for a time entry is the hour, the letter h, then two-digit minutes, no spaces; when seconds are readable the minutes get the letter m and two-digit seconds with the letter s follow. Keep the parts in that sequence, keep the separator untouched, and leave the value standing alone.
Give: 2h37m10s
